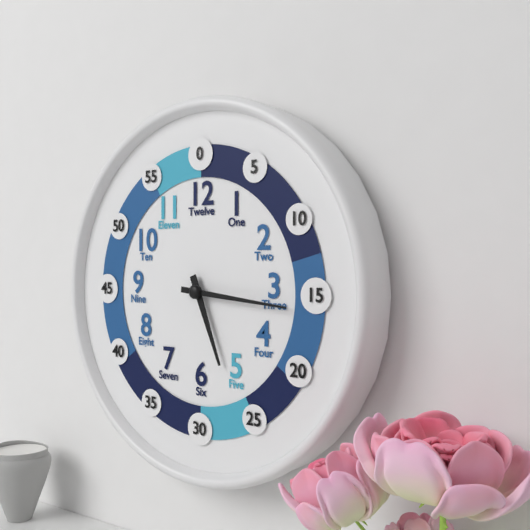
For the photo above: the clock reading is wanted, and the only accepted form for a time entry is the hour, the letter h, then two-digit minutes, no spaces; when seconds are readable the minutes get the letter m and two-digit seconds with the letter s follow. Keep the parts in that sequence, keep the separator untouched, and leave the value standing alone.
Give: 5h16
